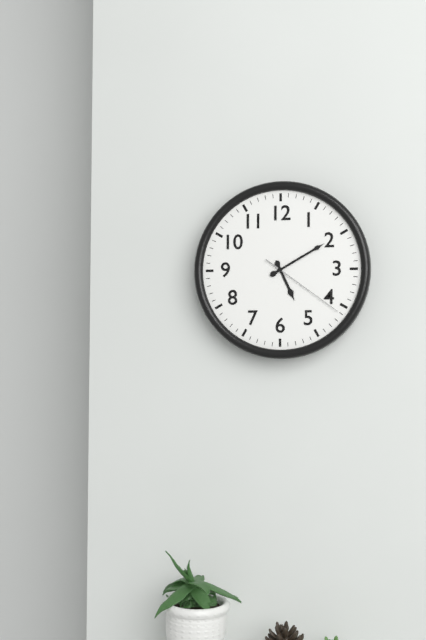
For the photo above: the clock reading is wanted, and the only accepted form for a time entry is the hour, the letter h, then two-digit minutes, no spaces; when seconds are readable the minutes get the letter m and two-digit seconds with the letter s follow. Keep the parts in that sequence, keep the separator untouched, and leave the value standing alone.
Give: 5h10m21s
